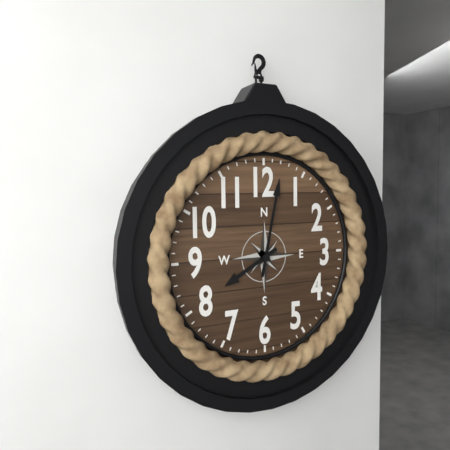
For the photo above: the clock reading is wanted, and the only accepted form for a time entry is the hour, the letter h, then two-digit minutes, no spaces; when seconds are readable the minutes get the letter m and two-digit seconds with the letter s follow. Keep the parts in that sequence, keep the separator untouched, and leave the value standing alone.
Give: 8h02
